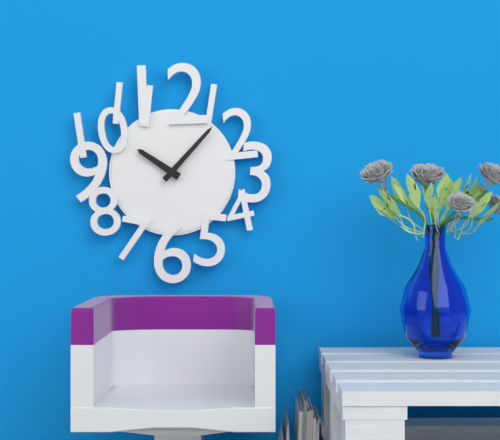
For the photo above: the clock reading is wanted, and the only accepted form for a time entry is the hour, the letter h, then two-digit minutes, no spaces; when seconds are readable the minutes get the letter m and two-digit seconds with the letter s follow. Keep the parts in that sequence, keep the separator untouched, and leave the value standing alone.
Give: 10h07
